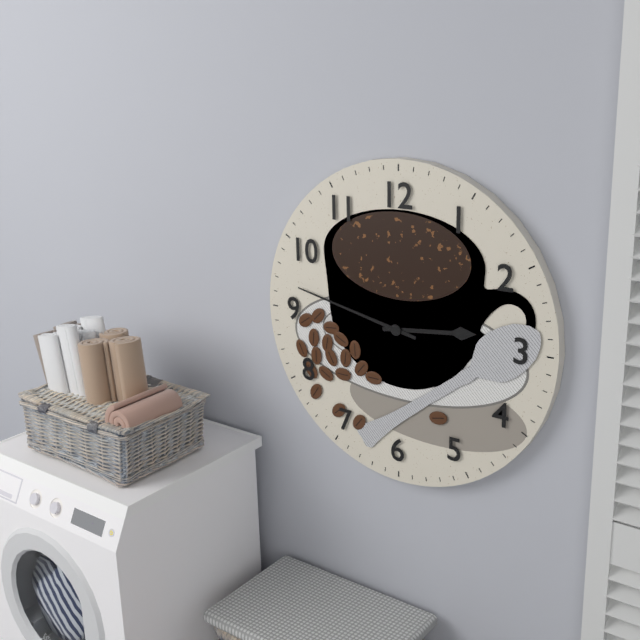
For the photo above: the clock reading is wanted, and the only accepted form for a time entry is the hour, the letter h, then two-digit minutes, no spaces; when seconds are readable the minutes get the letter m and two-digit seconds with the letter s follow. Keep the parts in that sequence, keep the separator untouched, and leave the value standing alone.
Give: 2h47
